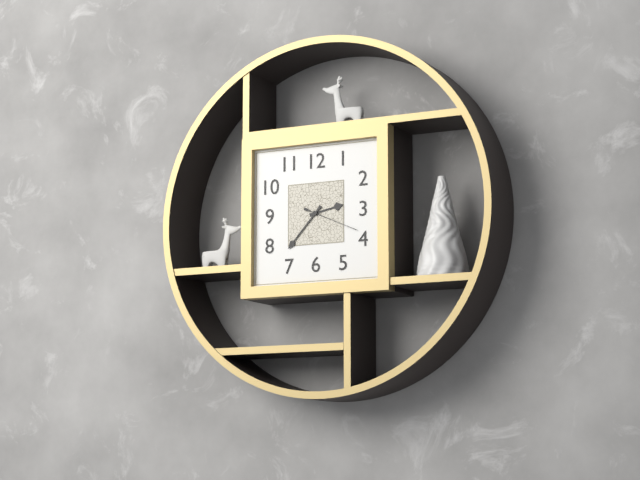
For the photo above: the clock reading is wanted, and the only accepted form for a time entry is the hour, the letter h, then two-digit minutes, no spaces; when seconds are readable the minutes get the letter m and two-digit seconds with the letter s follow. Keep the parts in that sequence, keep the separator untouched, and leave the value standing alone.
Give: 2h37m19s
